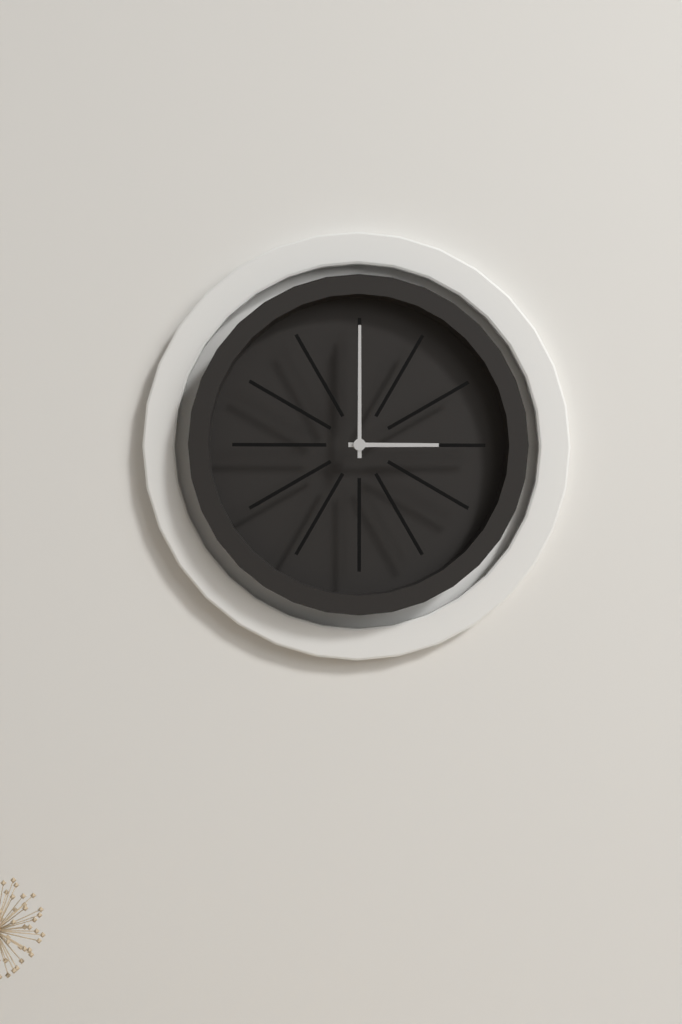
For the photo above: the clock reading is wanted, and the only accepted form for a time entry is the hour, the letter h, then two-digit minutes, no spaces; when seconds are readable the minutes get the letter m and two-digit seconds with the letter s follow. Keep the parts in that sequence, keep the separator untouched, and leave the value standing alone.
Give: 3h00
